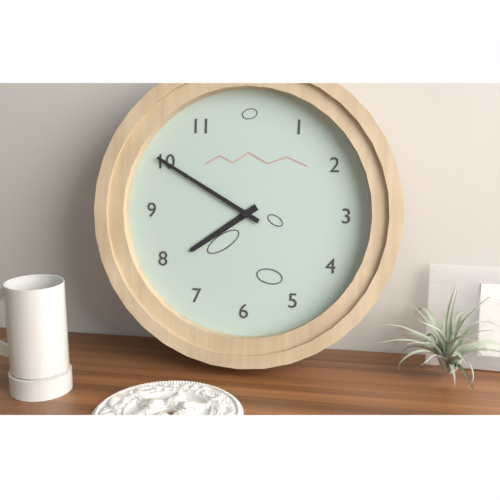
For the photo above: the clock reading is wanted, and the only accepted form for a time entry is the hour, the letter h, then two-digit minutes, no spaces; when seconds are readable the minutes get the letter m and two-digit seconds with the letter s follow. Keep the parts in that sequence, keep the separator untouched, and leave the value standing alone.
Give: 7h50
